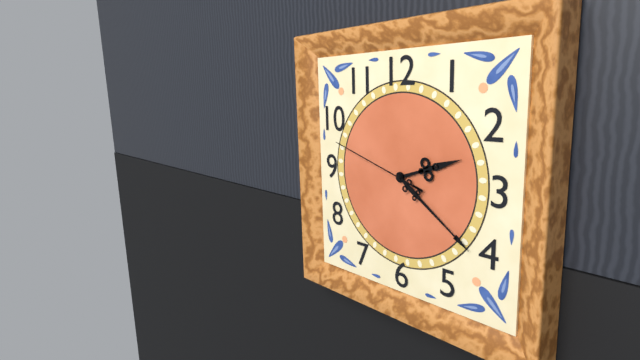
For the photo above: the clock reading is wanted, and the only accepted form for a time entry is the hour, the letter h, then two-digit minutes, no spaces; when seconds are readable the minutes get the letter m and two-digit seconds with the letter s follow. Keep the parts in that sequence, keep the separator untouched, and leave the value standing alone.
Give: 2h21m48s
